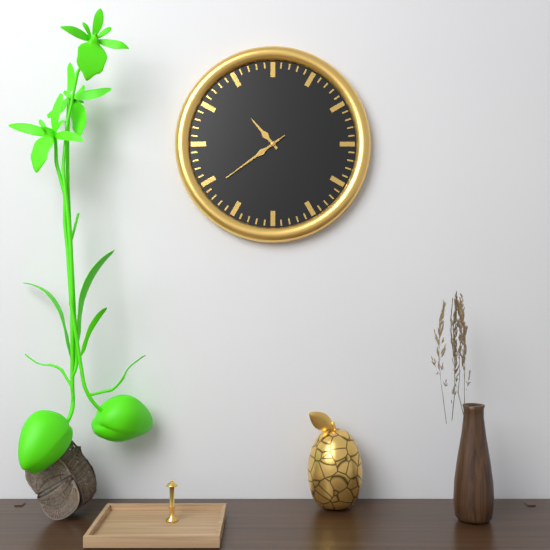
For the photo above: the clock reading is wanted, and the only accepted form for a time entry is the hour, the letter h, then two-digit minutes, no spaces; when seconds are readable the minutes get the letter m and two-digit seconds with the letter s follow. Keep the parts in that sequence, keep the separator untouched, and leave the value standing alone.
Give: 10h39m39s
